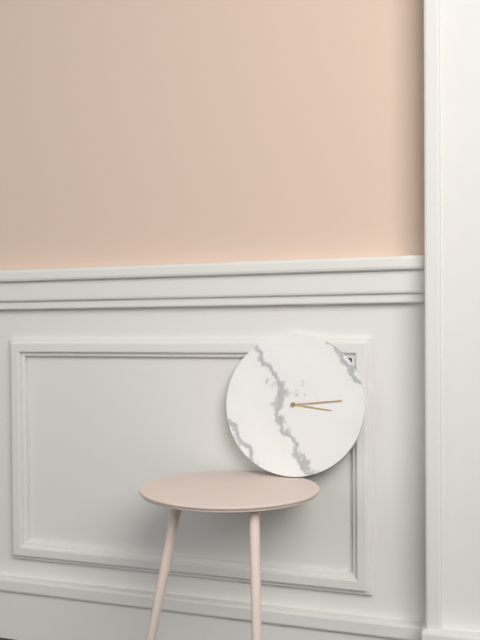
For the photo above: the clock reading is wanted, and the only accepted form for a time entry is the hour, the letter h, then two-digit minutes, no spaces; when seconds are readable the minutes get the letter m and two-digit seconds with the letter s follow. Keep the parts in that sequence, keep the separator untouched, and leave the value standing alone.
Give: 3h14
